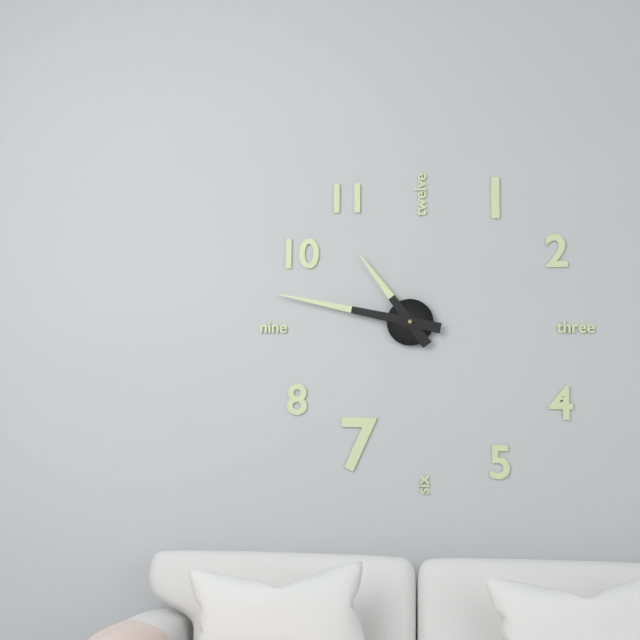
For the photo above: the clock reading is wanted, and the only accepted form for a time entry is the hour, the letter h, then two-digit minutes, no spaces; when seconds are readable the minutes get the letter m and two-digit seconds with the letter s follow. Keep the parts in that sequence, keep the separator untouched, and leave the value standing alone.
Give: 10h47
